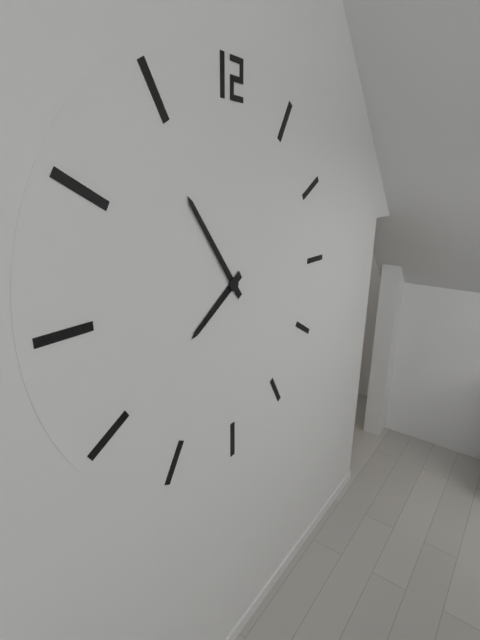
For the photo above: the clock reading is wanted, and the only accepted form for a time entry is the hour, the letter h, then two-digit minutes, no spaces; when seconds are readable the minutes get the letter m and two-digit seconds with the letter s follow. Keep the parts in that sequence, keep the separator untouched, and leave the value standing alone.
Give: 7h54
